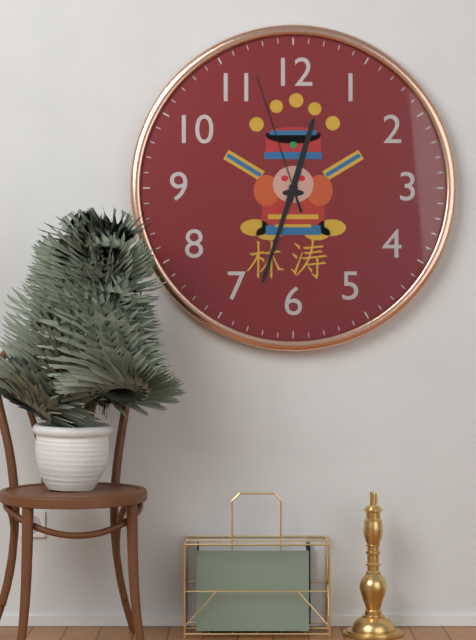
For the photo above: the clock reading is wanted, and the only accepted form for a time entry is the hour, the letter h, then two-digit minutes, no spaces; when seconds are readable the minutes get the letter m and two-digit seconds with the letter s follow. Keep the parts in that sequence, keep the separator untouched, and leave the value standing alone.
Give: 12h33m57s
